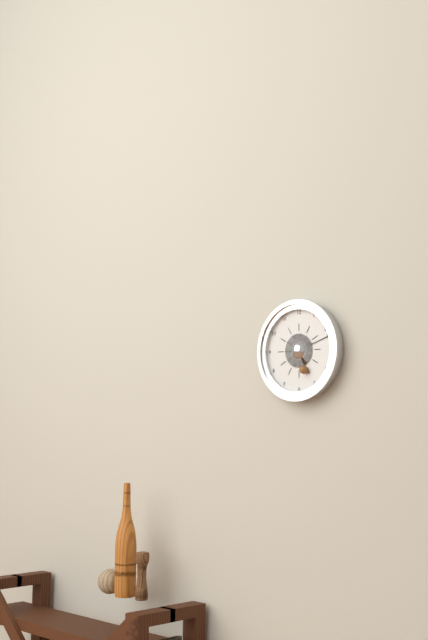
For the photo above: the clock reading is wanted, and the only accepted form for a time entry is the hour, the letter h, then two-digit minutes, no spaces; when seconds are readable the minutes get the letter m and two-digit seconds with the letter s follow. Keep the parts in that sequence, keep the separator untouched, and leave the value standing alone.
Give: 5h12
